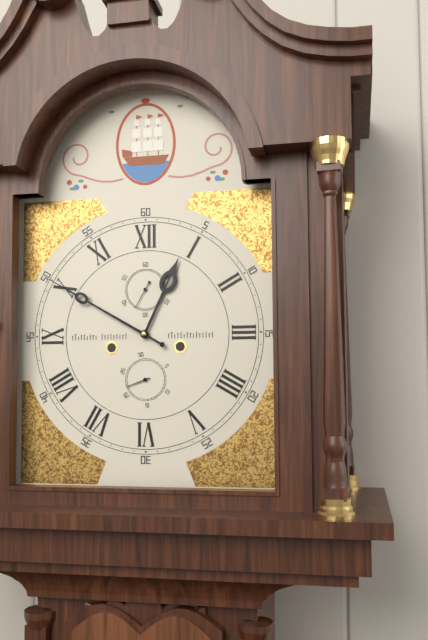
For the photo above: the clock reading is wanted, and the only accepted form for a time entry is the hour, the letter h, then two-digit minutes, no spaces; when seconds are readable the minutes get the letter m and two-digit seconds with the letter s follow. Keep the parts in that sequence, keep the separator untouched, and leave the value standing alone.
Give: 12h50
